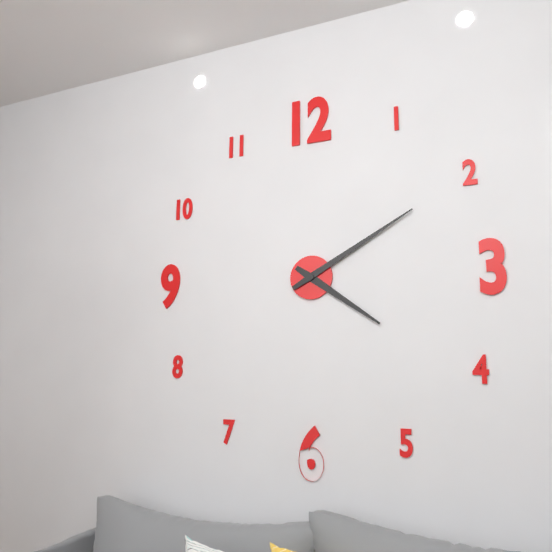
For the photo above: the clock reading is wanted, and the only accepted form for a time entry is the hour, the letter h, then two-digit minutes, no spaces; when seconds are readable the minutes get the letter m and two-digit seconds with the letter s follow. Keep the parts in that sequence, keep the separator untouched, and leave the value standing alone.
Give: 4h10
